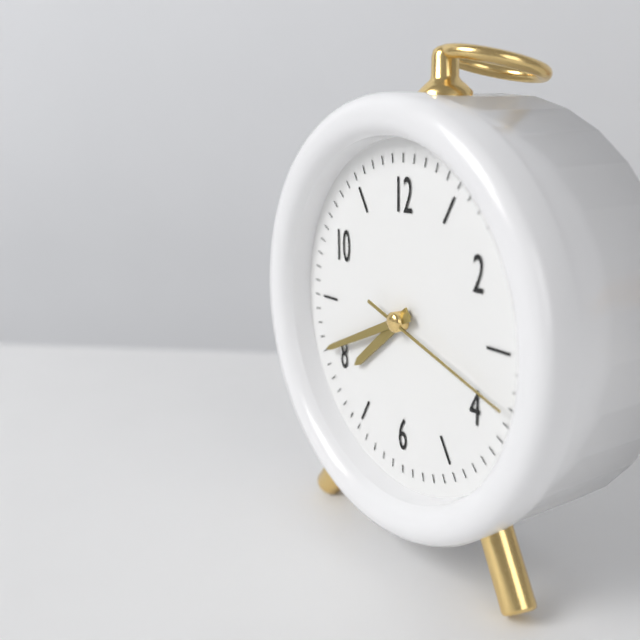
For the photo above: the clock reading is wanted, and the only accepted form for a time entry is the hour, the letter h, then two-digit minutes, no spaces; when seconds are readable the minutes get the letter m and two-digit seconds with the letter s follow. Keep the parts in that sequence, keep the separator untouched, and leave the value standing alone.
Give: 7h41m18s
